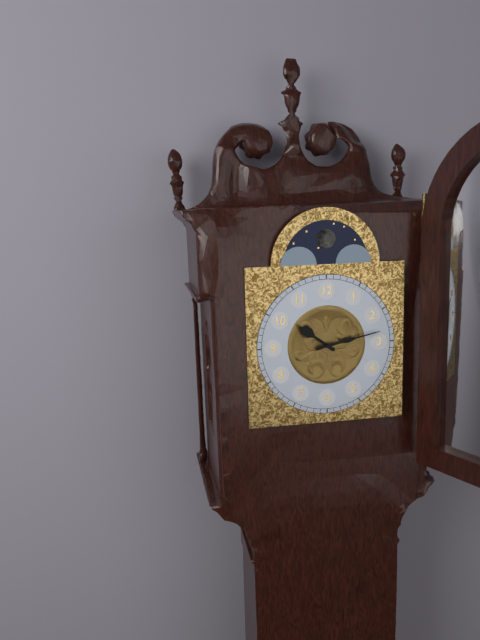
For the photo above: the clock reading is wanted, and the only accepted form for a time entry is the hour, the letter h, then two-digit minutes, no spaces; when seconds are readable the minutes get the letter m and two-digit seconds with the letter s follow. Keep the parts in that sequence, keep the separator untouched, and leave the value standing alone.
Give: 10h13
